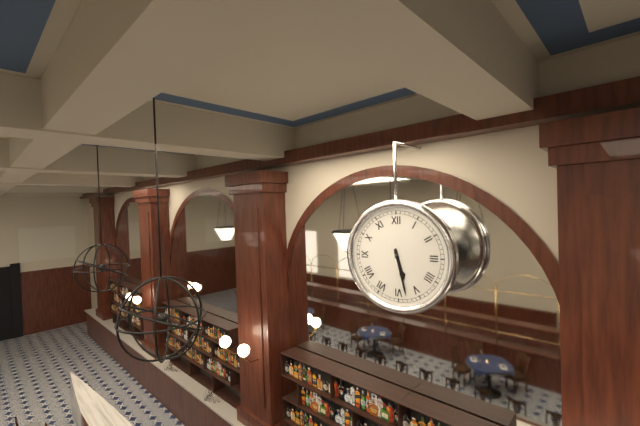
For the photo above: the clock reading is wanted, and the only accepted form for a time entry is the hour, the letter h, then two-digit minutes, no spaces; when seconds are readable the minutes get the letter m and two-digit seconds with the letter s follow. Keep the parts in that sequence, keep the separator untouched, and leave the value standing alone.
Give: 5h28
